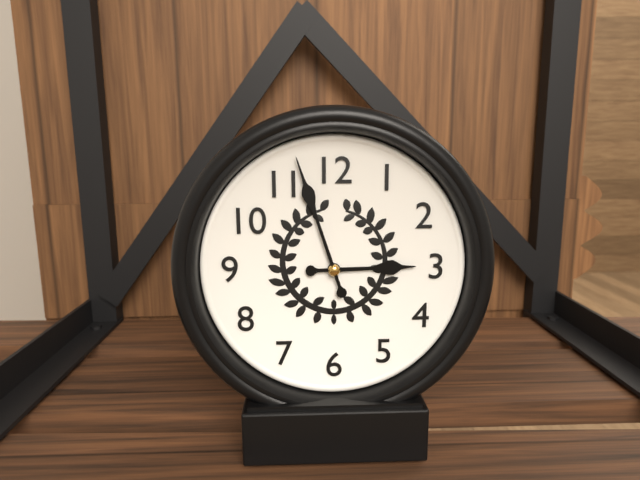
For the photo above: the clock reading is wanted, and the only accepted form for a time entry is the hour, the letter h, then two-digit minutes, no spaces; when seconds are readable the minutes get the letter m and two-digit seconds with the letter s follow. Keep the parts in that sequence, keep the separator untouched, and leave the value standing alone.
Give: 2h57
